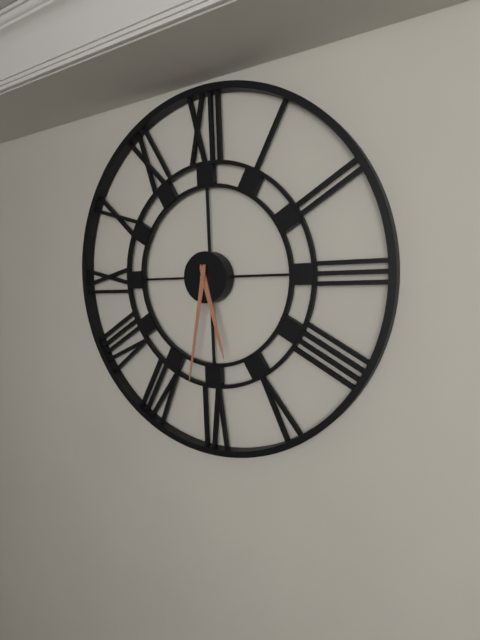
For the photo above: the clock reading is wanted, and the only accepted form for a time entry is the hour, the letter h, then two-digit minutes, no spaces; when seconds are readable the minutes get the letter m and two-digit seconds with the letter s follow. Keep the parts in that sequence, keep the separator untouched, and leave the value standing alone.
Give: 5h32
